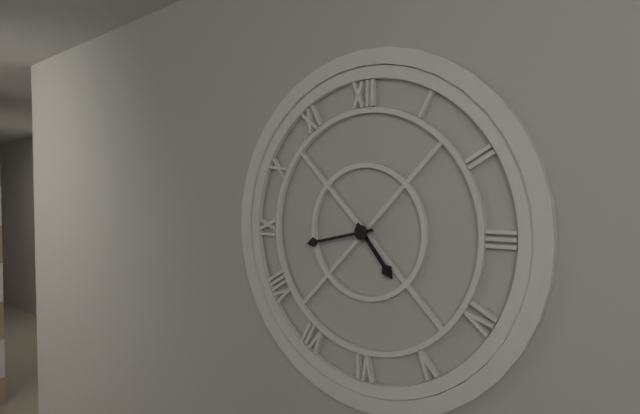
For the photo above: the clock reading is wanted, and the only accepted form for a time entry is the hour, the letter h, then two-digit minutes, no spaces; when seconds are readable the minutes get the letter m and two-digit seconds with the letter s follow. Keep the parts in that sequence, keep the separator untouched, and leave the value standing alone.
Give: 4h43
